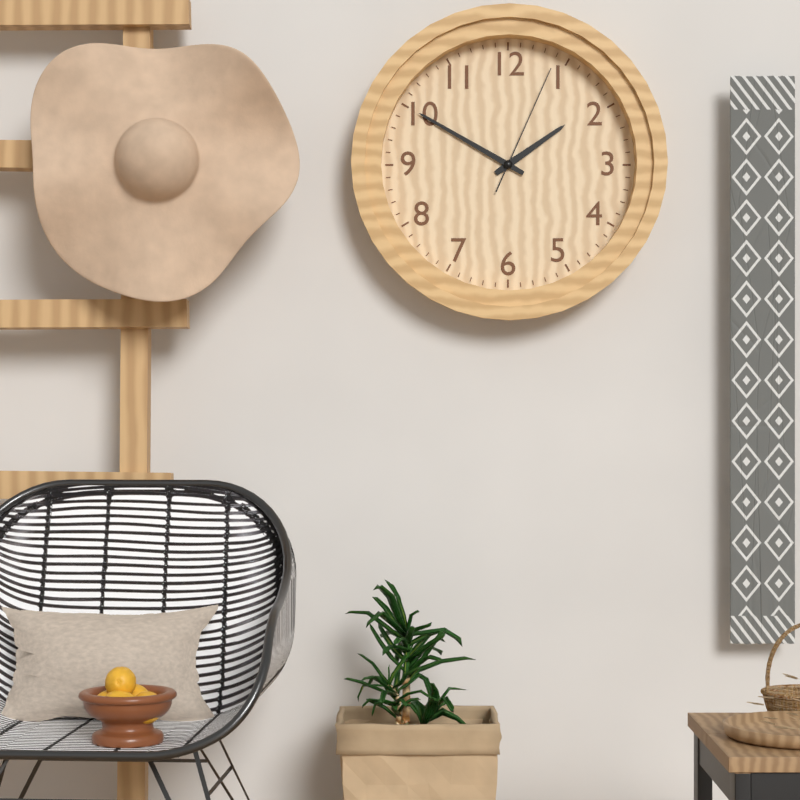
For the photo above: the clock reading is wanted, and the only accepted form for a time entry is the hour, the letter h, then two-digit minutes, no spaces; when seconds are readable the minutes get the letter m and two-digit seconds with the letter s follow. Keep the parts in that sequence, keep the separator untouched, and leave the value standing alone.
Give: 1h50m04s
